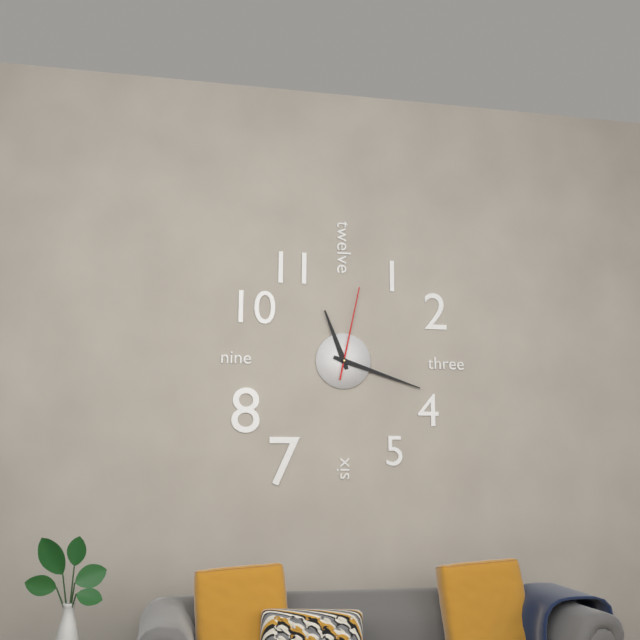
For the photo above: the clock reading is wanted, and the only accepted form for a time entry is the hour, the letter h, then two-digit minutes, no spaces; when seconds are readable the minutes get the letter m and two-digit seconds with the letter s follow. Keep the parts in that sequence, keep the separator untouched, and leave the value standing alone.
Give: 11h18m02s
